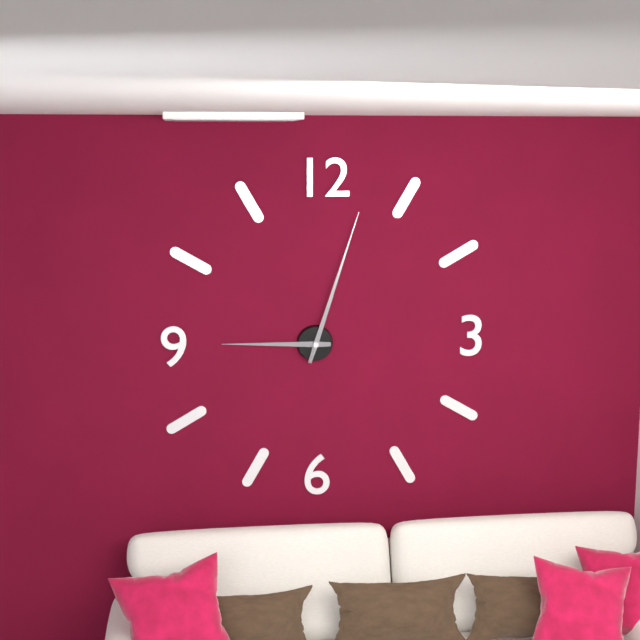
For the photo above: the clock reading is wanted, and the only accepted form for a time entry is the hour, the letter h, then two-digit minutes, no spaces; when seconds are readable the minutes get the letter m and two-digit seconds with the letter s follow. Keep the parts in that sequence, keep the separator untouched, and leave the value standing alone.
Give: 9h03
